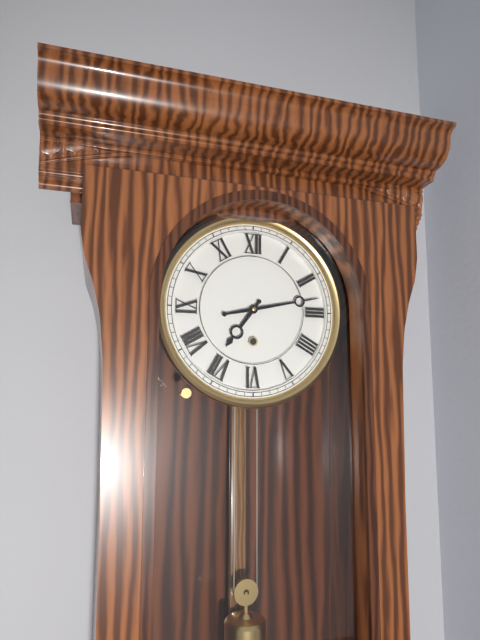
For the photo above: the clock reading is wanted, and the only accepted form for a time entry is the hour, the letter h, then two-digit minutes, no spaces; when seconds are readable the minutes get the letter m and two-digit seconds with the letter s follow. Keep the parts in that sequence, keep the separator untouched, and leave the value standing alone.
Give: 7h13
